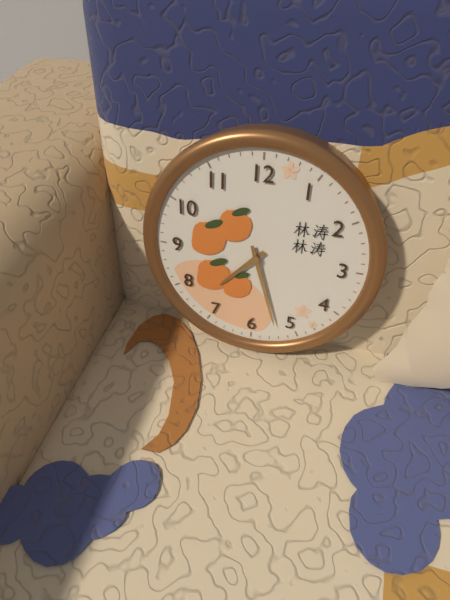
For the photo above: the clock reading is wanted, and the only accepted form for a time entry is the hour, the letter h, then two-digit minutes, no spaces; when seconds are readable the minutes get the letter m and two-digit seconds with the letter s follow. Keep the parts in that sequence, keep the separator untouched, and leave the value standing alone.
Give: 7h27
